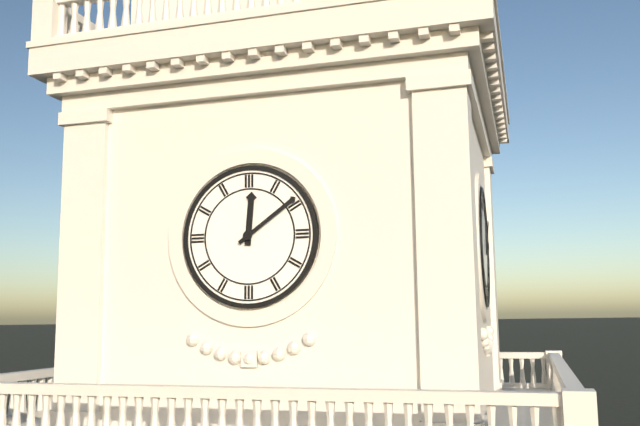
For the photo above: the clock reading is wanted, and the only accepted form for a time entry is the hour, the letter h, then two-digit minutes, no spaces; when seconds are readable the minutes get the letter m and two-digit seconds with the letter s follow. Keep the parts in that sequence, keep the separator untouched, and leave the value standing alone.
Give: 12h09
